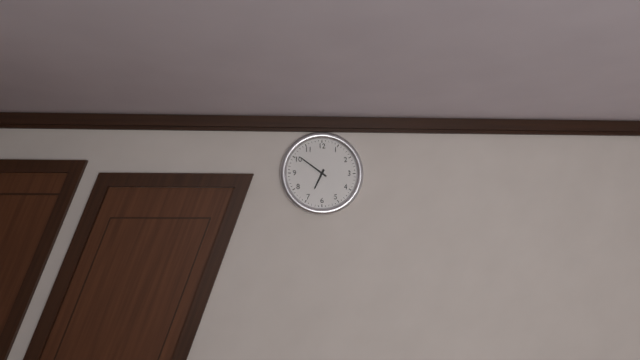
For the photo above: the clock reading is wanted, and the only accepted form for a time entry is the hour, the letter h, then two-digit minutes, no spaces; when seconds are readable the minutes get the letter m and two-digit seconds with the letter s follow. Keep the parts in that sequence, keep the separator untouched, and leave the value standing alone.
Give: 6h51
